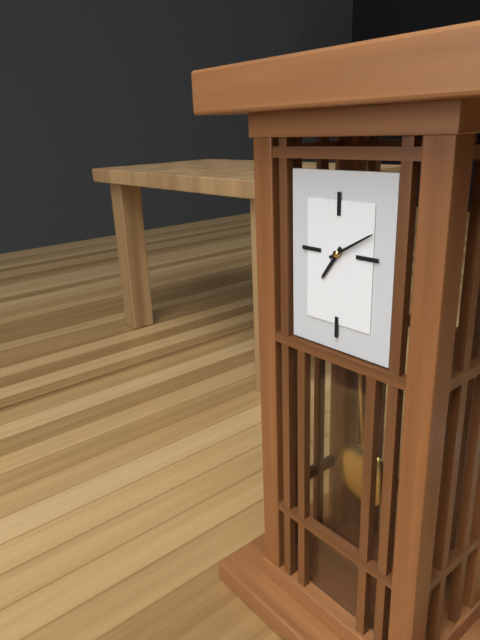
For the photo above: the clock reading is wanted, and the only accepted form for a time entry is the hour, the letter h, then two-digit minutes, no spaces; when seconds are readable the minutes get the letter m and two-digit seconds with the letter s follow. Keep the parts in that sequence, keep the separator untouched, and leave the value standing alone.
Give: 7h10
